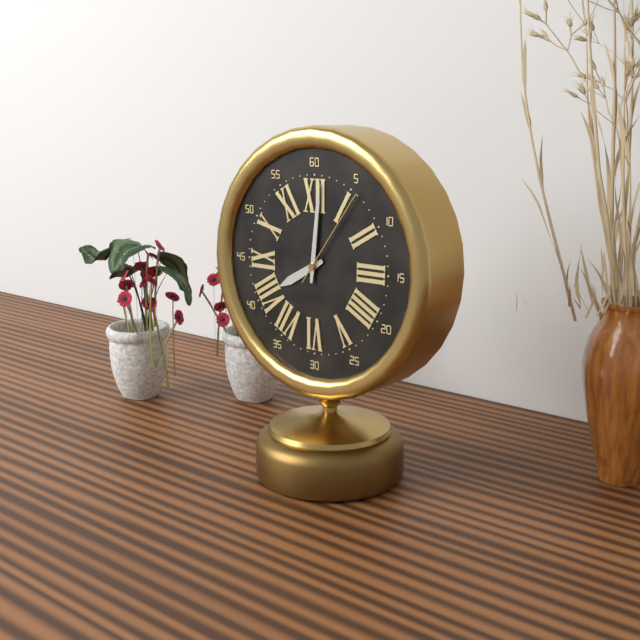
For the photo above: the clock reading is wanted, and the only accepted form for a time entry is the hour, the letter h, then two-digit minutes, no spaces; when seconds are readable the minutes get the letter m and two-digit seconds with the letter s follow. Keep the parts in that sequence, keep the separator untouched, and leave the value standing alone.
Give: 8h01m06s
